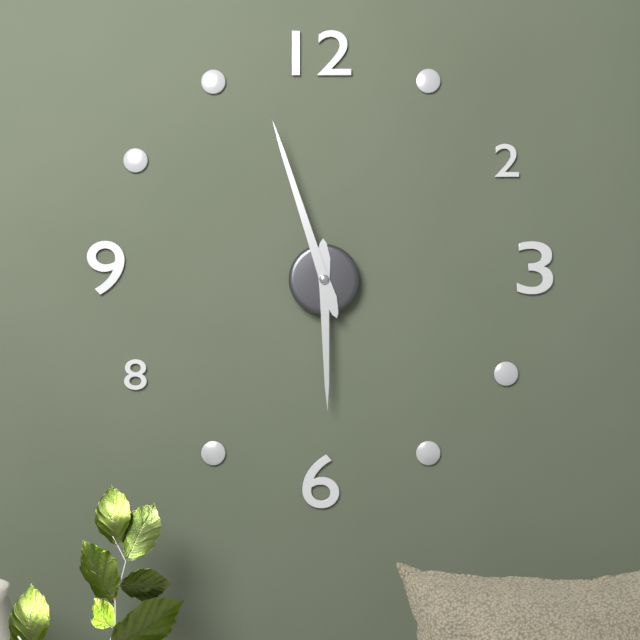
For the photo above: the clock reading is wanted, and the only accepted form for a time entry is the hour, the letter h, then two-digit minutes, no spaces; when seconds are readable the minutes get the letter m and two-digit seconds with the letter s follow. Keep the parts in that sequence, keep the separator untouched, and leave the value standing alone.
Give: 5h57
